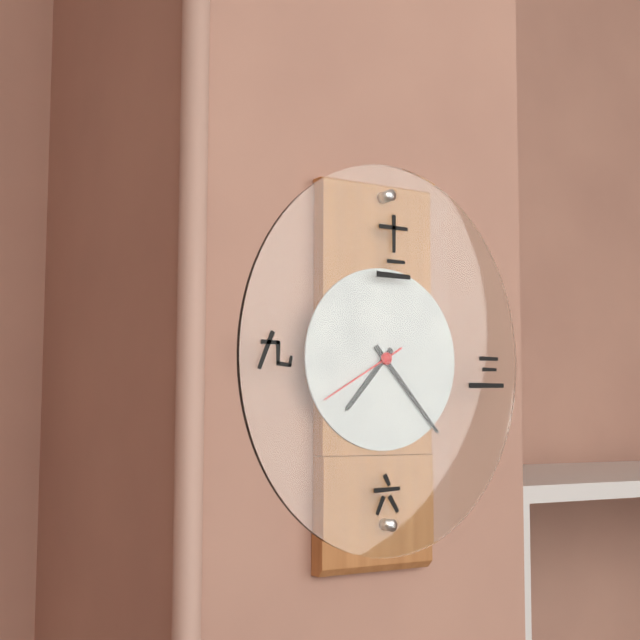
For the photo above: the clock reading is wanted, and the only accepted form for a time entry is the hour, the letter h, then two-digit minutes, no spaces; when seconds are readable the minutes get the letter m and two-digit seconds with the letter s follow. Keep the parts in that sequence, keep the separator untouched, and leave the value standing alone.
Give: 7h23m40s
